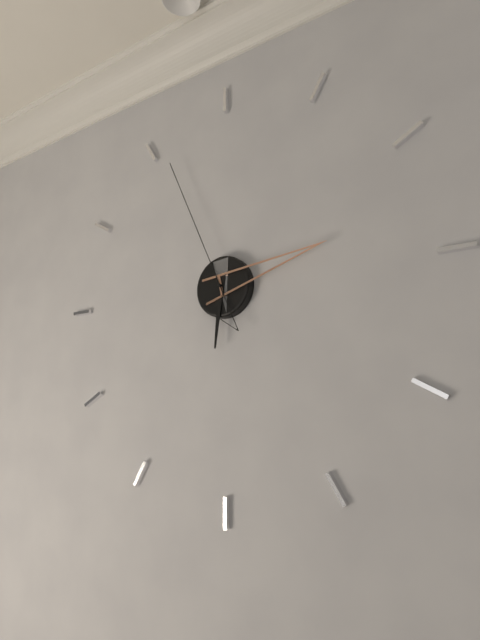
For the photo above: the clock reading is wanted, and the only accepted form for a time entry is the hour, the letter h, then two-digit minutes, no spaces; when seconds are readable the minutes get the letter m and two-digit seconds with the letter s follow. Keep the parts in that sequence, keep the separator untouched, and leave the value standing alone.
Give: 6h13m56s
